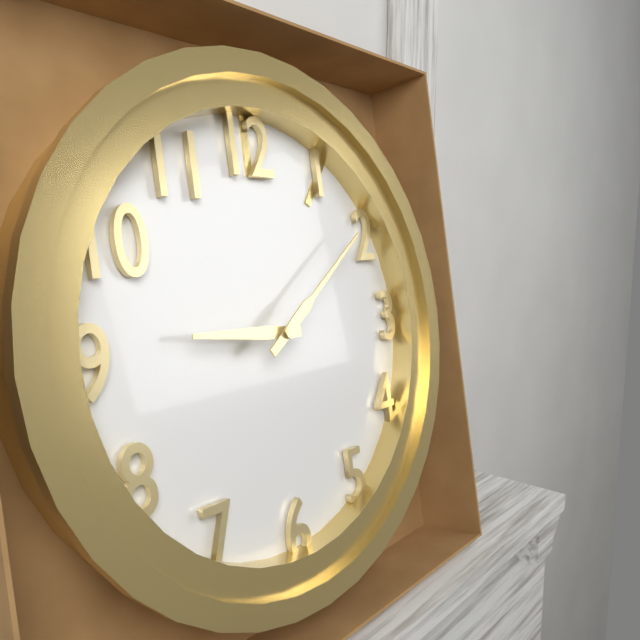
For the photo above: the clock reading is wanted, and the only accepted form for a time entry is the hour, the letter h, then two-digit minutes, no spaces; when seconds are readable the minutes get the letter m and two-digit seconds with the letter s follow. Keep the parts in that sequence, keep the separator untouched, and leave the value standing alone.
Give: 9h09
